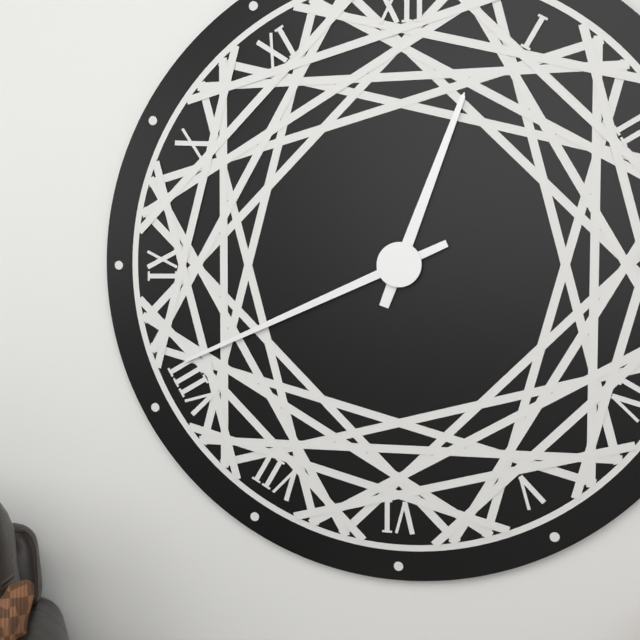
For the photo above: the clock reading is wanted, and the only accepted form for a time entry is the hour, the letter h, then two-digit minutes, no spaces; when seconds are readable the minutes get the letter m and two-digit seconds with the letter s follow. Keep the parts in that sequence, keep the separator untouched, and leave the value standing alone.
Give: 12h41
